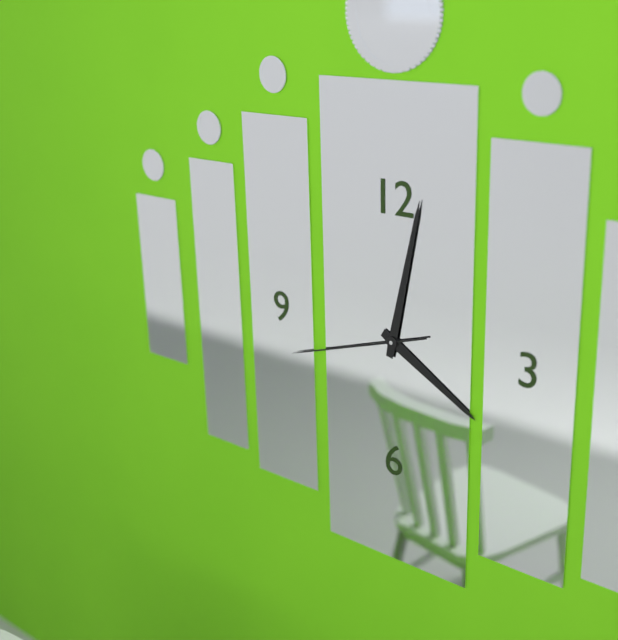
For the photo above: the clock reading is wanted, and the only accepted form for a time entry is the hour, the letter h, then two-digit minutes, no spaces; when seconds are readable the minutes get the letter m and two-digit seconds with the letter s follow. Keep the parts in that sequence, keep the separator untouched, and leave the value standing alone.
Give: 4h02m42s
